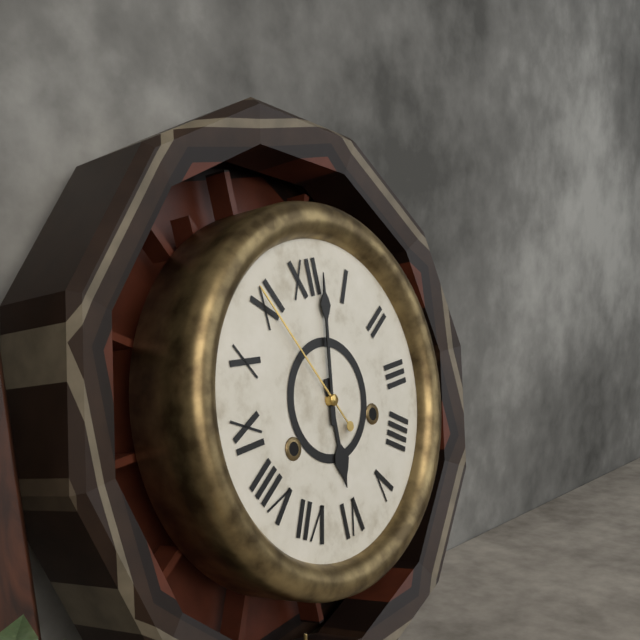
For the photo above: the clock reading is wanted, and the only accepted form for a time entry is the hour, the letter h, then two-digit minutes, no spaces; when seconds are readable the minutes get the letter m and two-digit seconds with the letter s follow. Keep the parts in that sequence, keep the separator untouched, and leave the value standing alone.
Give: 6h02m55s
